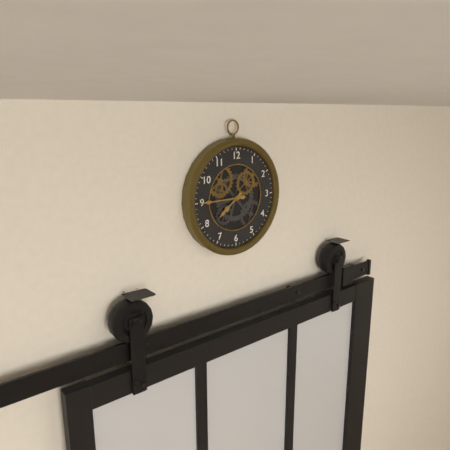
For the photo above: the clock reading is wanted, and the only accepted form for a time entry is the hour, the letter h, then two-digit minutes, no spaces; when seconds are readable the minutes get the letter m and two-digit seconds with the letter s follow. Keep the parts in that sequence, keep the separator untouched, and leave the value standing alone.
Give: 7h45
